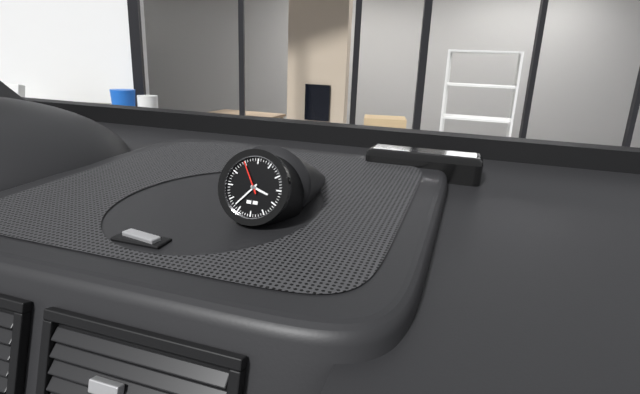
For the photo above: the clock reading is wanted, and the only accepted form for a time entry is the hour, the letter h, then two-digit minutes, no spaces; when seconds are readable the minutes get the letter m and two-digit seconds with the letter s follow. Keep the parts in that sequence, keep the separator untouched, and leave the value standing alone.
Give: 3h37
